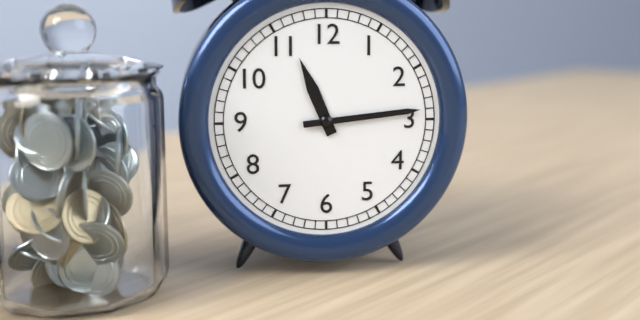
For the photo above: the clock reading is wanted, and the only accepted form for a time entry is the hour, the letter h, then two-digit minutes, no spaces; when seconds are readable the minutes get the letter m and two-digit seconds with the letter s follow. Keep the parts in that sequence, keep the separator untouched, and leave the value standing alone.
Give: 11h14
